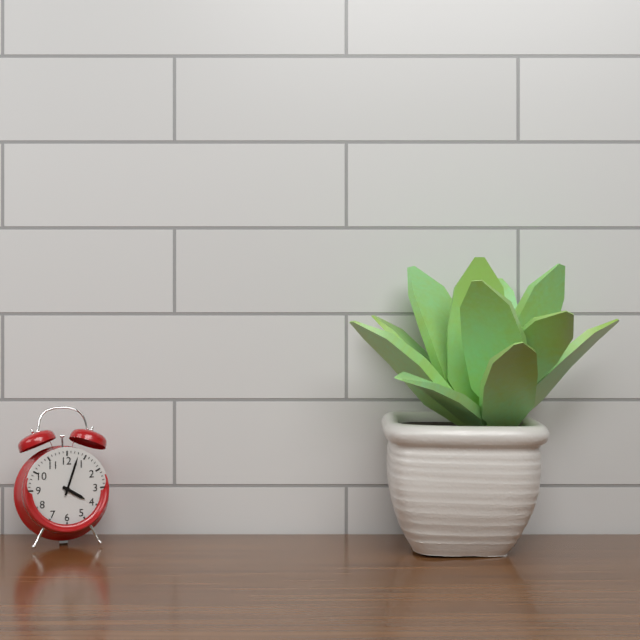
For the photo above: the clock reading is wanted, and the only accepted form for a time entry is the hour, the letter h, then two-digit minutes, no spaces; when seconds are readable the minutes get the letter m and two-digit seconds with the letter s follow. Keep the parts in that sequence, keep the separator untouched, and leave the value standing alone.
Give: 4h03
